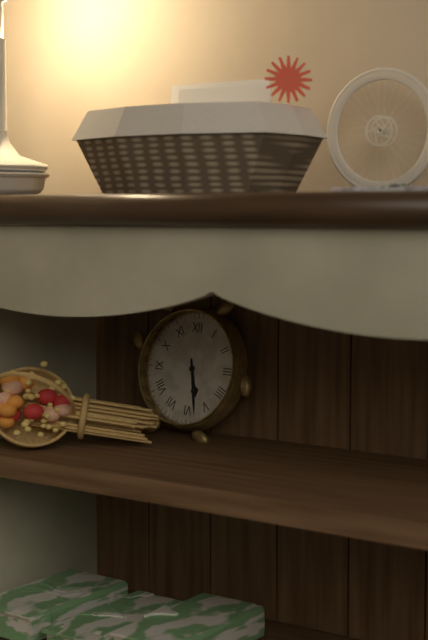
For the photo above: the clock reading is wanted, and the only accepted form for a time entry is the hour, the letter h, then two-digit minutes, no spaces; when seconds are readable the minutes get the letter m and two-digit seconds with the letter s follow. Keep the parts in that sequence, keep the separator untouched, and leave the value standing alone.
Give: 5h28
